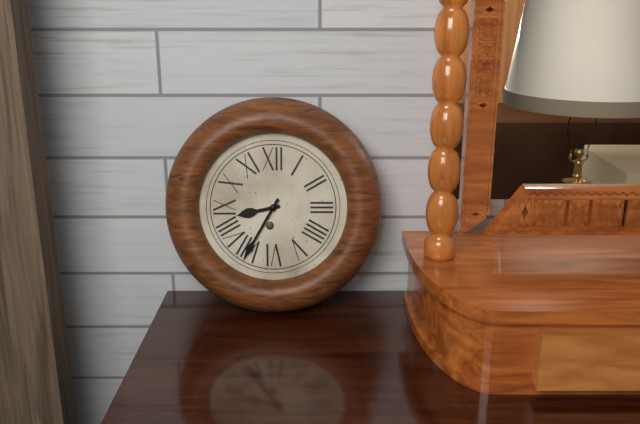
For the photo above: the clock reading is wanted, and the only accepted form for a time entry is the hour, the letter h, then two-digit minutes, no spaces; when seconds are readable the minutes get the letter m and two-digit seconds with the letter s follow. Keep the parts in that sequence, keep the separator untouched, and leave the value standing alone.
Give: 8h35
